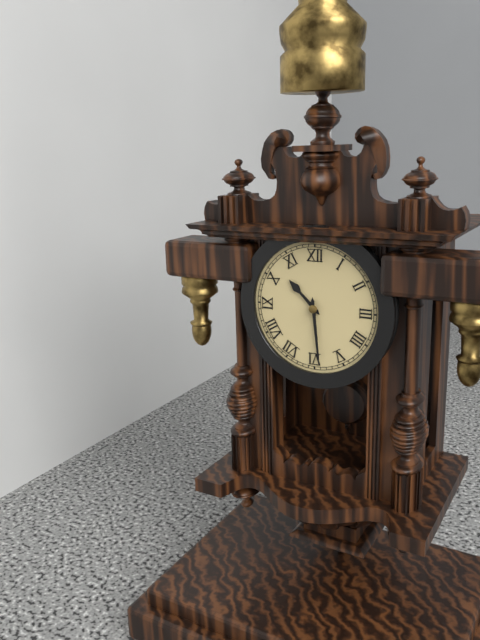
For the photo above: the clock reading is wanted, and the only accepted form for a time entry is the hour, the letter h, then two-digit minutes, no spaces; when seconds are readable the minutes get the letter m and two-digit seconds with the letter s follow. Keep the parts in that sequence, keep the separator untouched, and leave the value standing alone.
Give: 10h29
